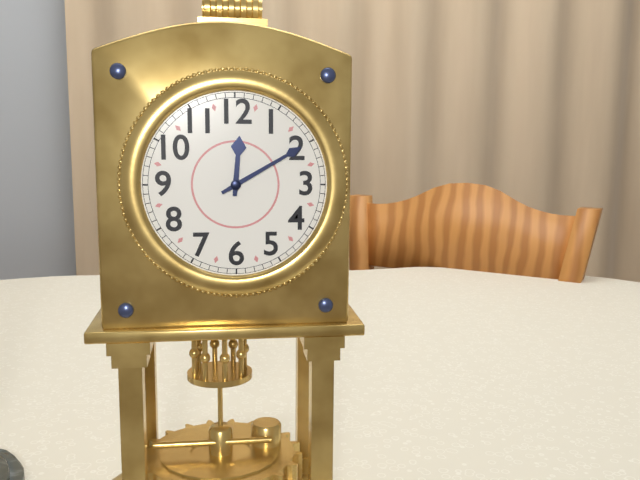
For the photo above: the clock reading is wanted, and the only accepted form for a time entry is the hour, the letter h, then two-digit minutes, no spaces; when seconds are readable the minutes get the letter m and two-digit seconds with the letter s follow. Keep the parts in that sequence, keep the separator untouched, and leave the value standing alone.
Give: 12h10
